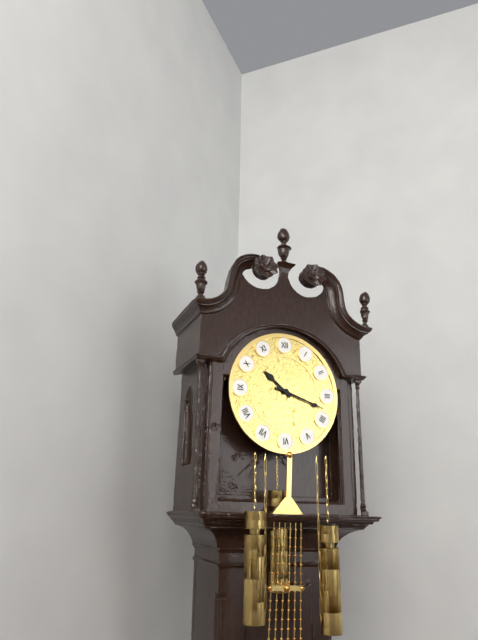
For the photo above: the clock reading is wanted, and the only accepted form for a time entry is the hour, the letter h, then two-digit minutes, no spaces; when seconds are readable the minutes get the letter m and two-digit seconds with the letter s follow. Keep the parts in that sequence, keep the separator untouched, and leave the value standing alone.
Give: 10h18
